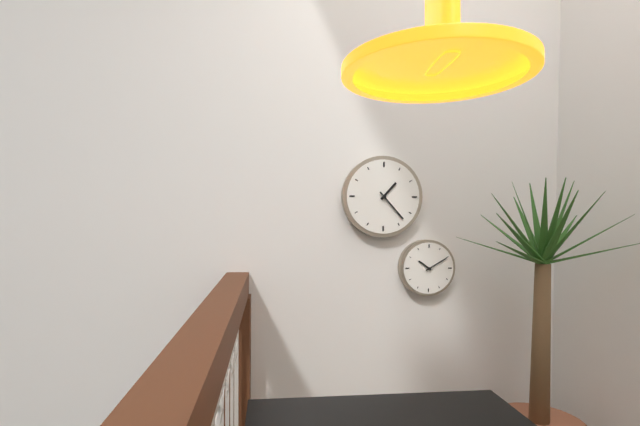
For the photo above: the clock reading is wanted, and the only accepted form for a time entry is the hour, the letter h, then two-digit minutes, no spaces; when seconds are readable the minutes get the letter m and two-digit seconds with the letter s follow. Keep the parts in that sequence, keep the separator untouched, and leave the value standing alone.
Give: 1h23
